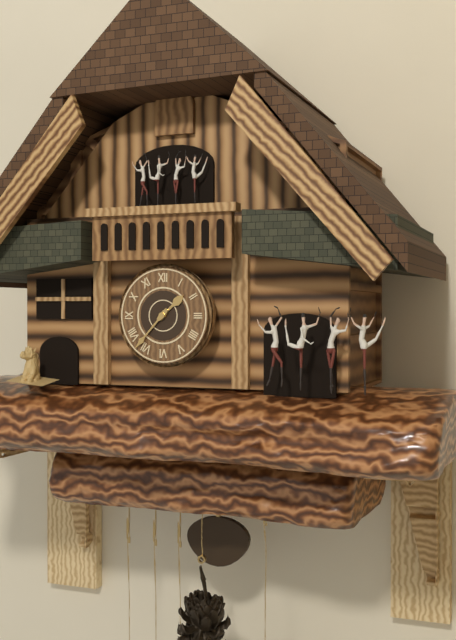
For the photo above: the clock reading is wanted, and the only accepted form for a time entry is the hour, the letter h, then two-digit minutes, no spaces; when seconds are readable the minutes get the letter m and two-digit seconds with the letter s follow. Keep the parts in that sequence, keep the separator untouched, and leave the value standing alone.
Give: 1h37
